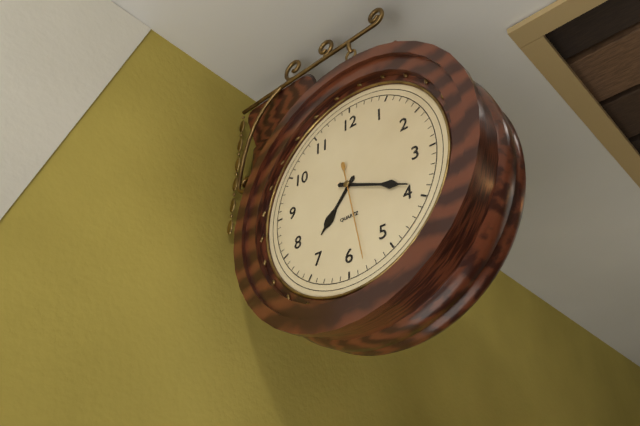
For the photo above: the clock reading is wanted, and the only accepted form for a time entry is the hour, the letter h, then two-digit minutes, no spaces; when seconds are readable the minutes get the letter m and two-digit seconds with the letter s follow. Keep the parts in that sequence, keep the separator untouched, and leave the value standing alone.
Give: 7h19m28s
